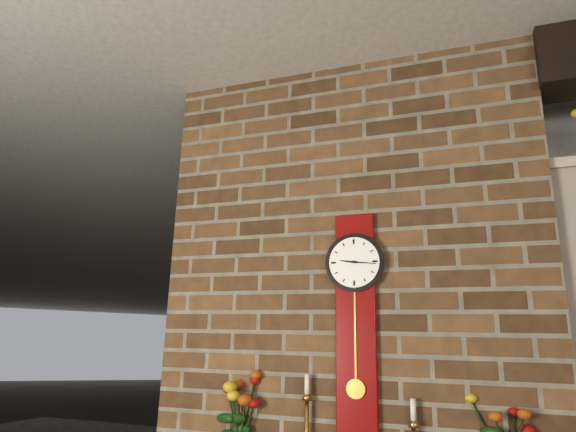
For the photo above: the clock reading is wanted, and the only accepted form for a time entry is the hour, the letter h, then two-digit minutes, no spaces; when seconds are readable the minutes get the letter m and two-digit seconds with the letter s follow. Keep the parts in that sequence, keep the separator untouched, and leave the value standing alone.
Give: 9h16
